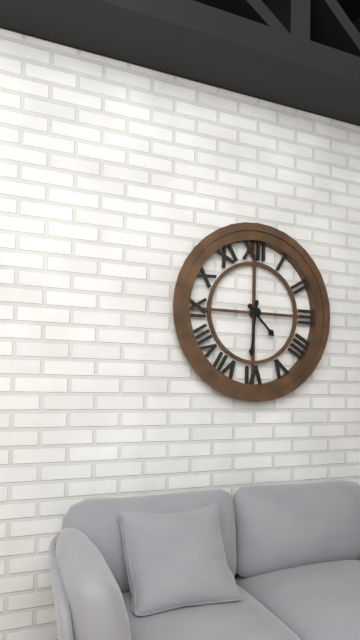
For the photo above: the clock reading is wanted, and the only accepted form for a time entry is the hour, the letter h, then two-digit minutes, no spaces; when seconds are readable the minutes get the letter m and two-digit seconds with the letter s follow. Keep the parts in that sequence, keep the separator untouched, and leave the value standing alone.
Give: 4h31
